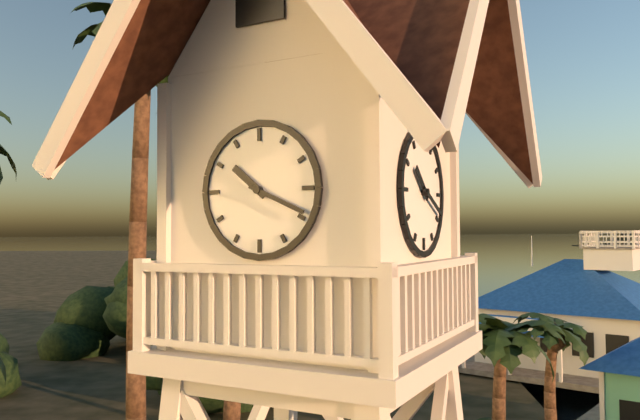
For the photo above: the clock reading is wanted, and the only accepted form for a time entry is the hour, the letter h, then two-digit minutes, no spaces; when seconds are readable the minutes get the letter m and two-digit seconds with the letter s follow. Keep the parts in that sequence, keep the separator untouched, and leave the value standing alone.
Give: 10h19
